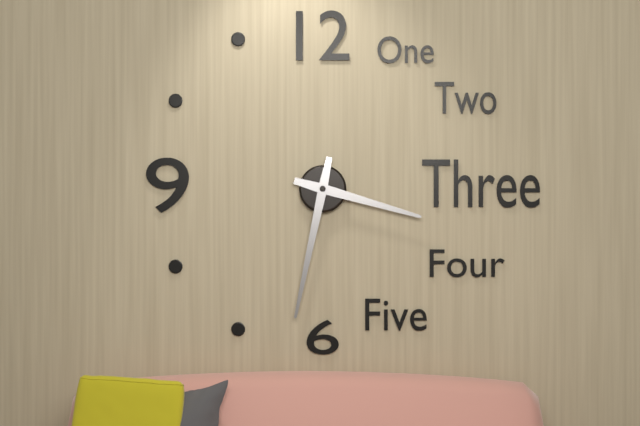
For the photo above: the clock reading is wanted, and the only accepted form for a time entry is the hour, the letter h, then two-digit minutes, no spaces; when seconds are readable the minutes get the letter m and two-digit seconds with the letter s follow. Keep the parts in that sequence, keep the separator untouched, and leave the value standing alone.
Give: 3h32
